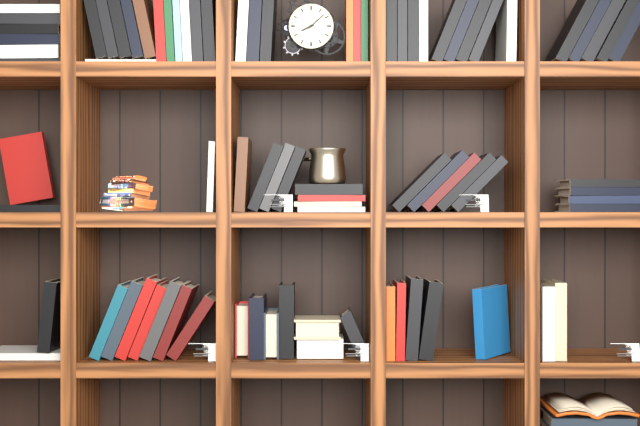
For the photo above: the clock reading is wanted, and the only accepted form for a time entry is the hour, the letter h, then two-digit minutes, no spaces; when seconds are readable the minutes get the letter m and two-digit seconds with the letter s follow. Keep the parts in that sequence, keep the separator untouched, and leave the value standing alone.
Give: 8h08
